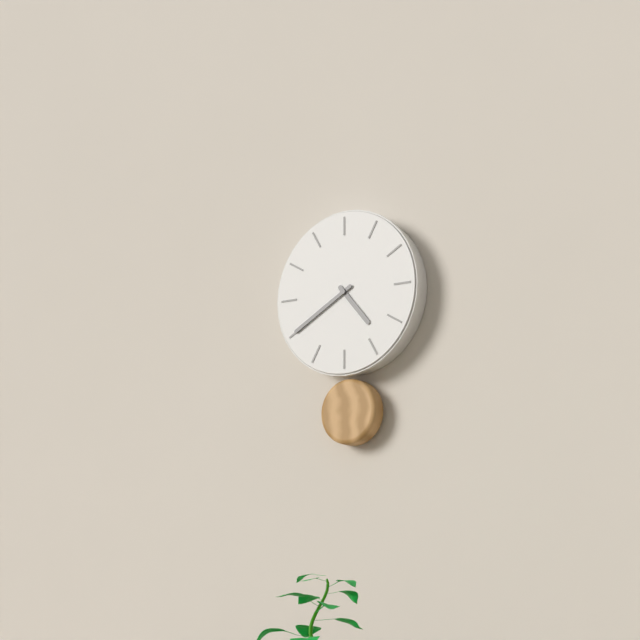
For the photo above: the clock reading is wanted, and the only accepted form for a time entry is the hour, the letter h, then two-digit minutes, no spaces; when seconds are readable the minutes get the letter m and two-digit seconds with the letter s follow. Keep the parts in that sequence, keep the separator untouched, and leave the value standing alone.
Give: 4h40
